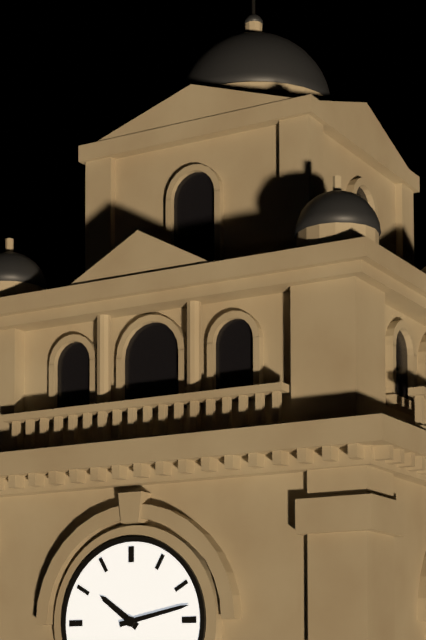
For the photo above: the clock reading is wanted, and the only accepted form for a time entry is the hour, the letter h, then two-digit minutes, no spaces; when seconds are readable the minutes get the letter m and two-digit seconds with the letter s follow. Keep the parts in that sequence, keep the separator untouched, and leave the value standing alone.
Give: 10h13
